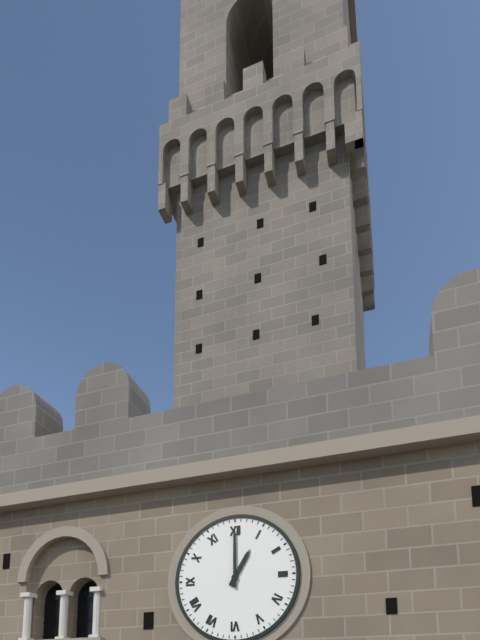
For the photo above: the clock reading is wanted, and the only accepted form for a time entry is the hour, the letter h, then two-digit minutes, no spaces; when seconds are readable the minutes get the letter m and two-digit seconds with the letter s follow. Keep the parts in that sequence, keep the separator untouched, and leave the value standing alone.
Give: 1h00
